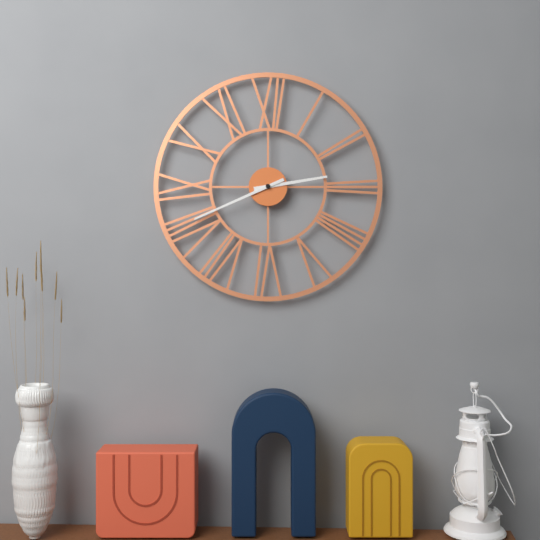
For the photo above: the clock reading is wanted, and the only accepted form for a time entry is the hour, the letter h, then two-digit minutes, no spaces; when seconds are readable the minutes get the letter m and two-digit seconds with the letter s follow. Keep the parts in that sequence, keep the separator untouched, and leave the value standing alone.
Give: 2h41
